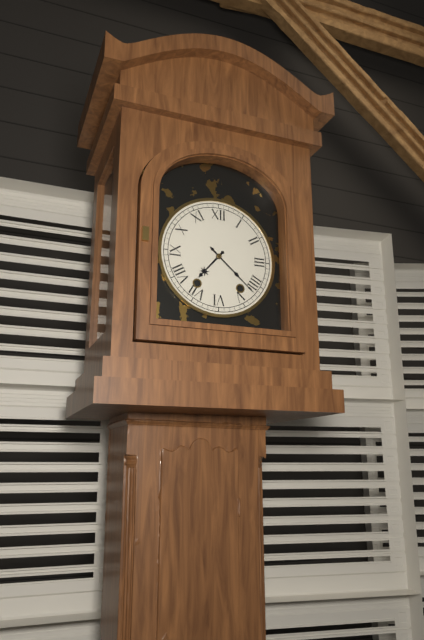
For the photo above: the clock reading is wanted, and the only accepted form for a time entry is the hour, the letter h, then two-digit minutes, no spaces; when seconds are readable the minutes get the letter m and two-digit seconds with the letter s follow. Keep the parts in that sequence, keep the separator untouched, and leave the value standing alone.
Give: 7h22
